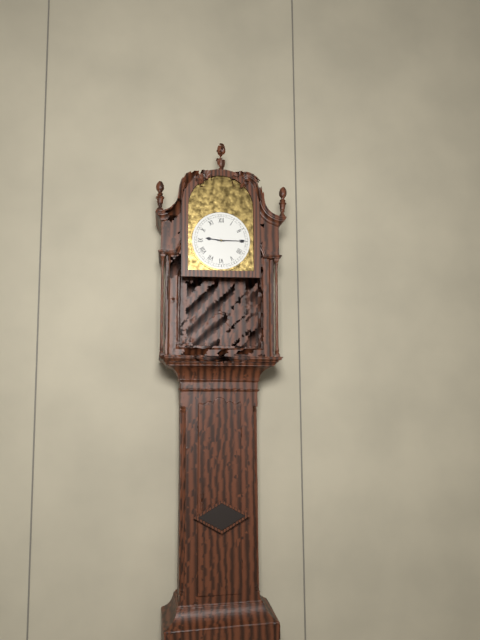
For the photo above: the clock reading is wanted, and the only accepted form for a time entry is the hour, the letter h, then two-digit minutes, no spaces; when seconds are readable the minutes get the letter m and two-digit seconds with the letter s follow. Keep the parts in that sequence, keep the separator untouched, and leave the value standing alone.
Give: 9h15
